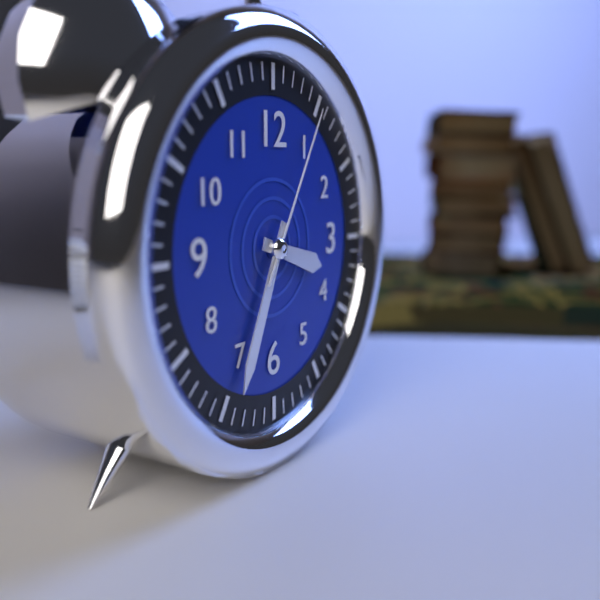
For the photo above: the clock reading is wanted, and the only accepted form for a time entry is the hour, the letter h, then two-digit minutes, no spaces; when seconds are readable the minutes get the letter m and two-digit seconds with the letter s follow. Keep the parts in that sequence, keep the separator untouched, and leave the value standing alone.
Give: 3h34m05s
